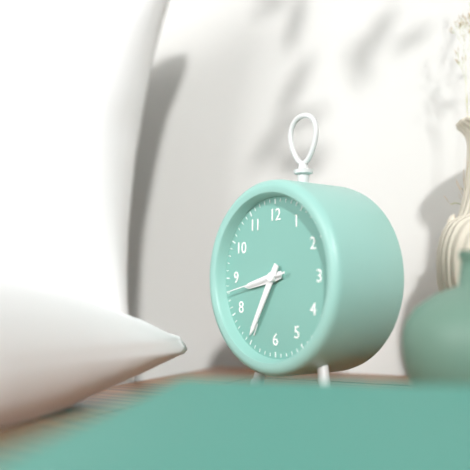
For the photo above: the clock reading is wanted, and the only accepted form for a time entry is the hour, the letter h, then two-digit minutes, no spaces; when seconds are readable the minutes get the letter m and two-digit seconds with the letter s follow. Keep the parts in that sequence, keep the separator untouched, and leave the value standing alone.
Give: 8h35m43s
